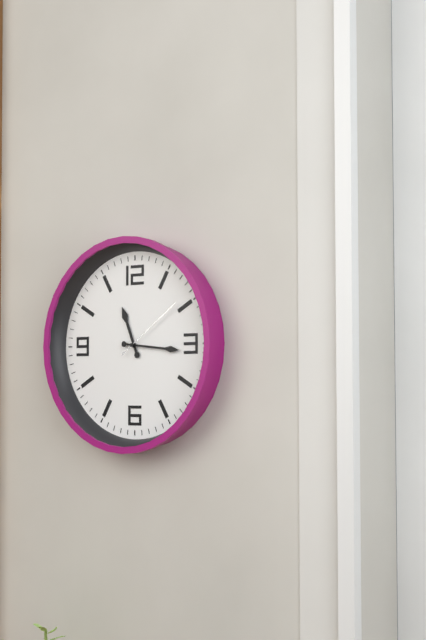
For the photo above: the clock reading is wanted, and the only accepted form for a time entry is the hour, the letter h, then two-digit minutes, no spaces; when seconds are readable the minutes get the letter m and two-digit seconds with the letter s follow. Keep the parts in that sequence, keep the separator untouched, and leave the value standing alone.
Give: 11h16m09s
